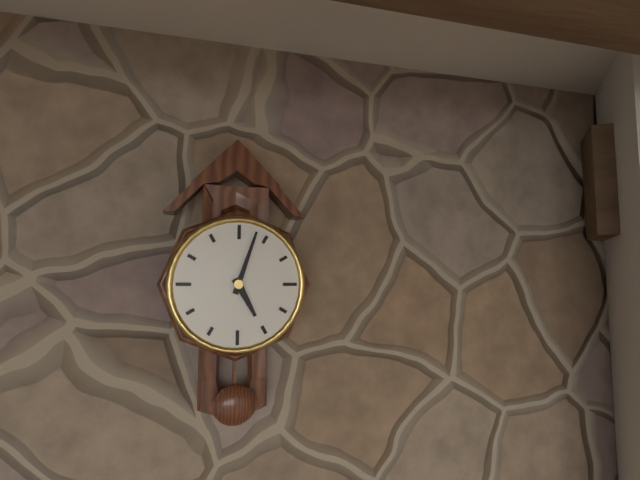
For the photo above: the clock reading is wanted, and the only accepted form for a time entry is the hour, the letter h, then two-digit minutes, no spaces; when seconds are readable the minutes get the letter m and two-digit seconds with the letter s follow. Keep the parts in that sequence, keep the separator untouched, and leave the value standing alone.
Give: 5h03
